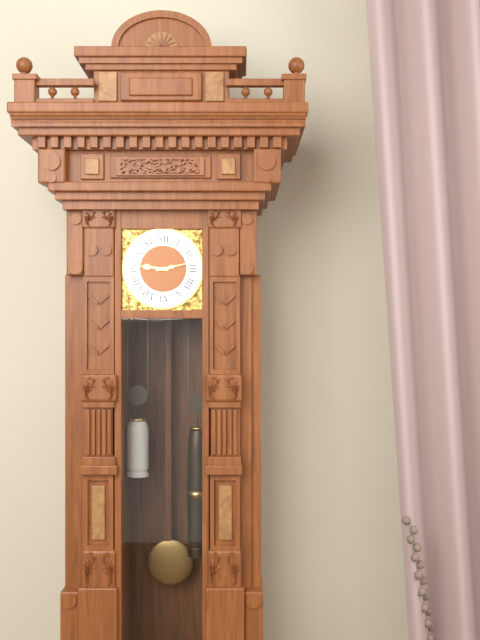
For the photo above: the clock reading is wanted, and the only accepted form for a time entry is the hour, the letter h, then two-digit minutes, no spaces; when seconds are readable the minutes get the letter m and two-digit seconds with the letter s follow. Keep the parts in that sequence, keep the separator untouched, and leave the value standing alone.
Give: 9h13
